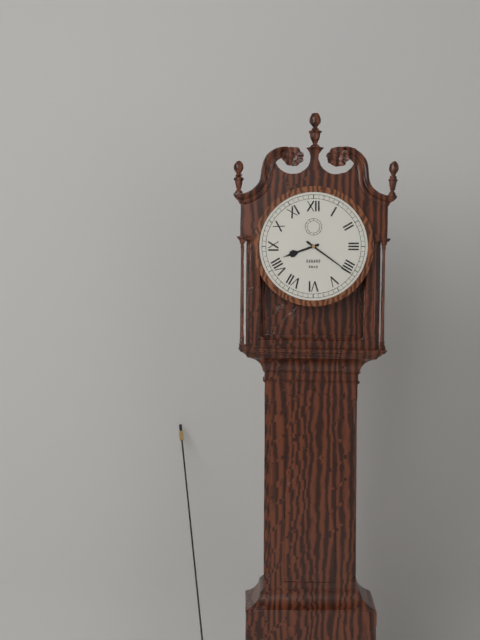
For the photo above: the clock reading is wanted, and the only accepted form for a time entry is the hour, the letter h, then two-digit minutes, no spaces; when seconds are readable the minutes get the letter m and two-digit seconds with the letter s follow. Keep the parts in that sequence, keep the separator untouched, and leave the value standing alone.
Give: 8h21
